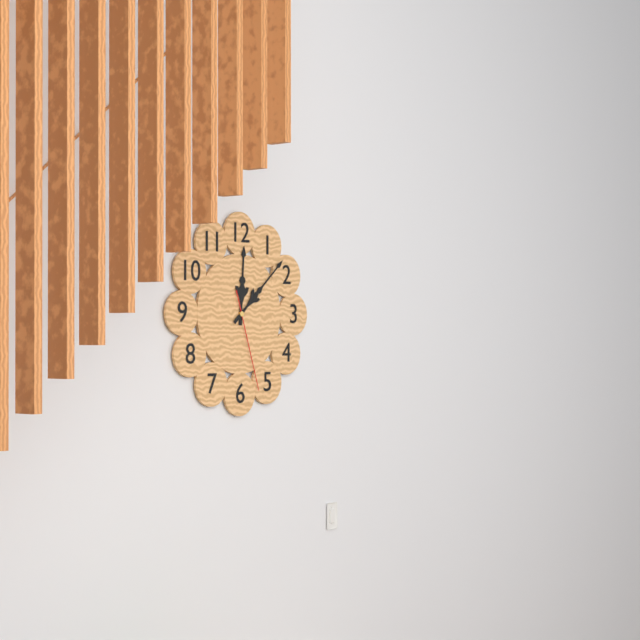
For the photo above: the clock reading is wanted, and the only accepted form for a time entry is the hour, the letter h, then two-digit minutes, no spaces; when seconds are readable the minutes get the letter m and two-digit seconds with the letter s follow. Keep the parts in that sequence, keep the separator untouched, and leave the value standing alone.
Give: 12h08m27s
